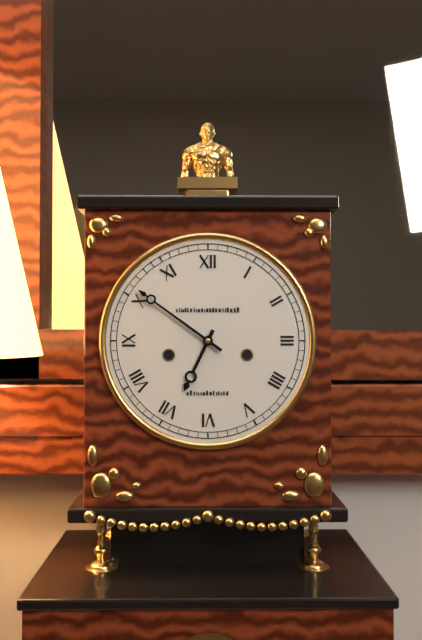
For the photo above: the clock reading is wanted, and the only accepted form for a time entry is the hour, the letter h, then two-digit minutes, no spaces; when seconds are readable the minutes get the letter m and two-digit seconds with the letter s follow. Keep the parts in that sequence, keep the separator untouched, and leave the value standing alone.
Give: 6h51
